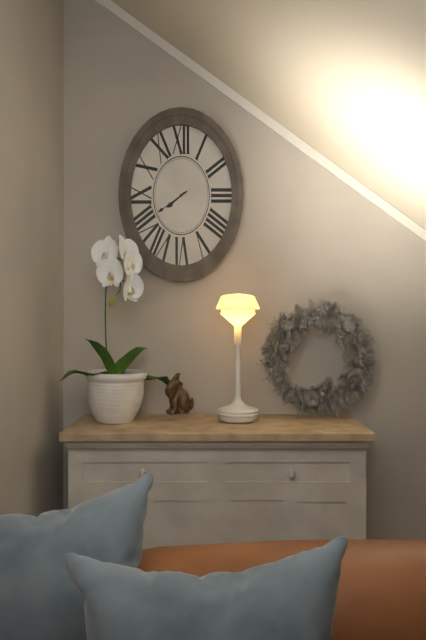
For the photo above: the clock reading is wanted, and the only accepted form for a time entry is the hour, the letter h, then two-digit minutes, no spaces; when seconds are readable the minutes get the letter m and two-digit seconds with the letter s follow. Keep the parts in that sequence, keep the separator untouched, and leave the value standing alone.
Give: 7h39
